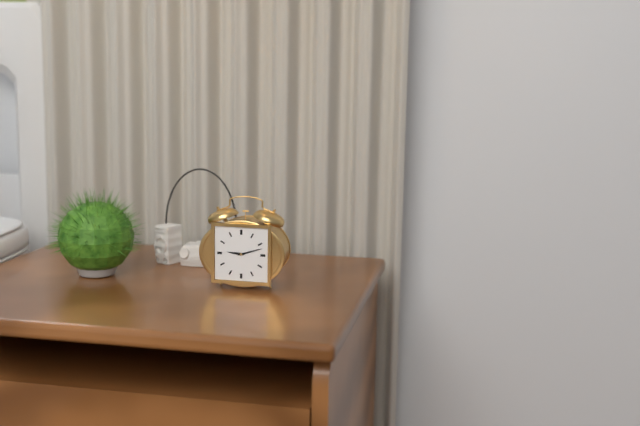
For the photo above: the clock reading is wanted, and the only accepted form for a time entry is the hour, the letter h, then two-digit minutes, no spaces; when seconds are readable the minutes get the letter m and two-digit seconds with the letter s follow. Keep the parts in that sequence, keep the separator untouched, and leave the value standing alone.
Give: 9h12
